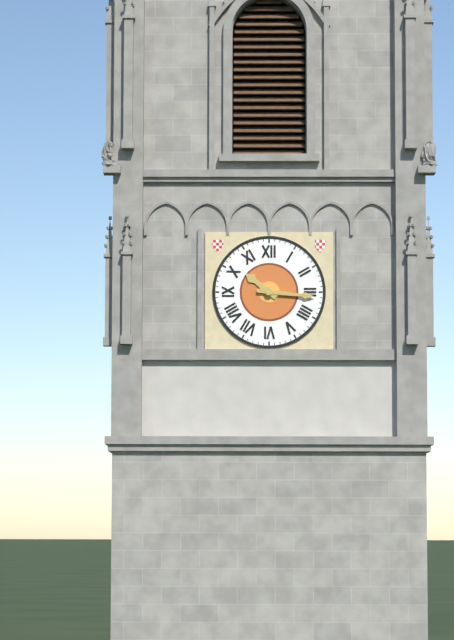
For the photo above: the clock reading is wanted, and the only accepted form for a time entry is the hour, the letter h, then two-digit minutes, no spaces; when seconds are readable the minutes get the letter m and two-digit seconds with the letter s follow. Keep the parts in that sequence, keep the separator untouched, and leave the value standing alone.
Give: 10h16
